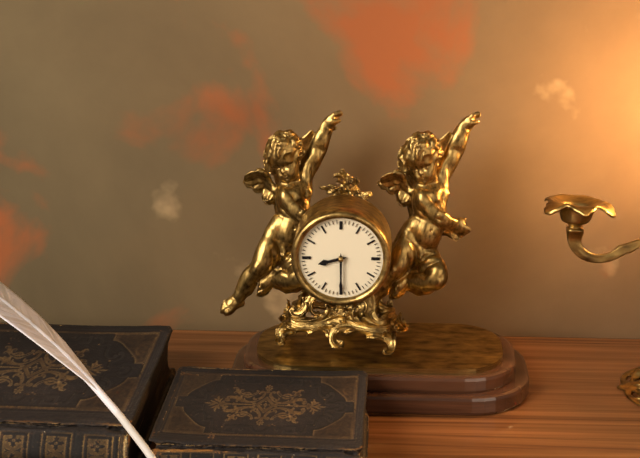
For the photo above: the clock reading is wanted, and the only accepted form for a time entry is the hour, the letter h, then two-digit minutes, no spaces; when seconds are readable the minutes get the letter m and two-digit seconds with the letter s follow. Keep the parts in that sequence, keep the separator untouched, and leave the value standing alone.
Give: 8h30
